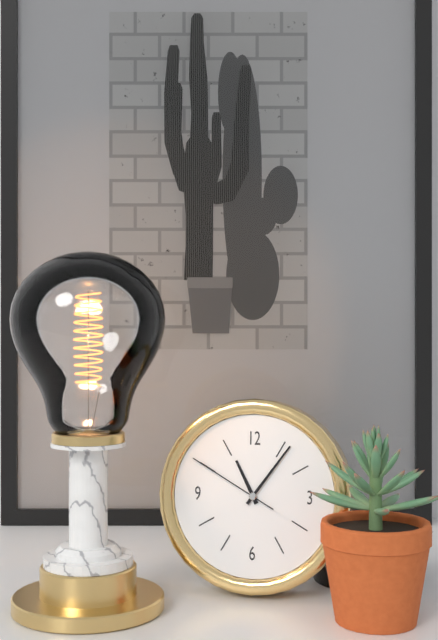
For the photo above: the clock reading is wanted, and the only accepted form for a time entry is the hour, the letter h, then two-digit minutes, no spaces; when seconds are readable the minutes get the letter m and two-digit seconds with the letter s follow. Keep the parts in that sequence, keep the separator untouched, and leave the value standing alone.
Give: 11h06m50s
